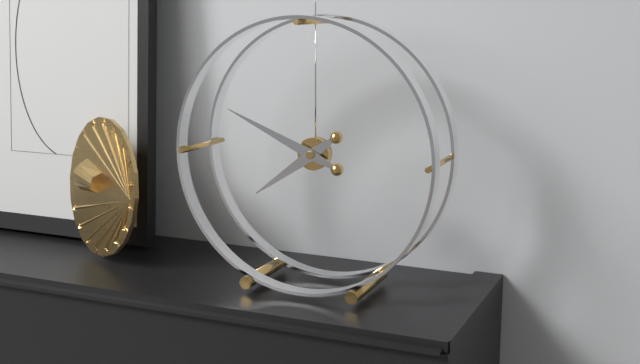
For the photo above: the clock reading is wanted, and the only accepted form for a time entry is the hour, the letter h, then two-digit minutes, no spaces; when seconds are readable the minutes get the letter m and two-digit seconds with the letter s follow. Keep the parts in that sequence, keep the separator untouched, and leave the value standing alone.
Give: 7h49
